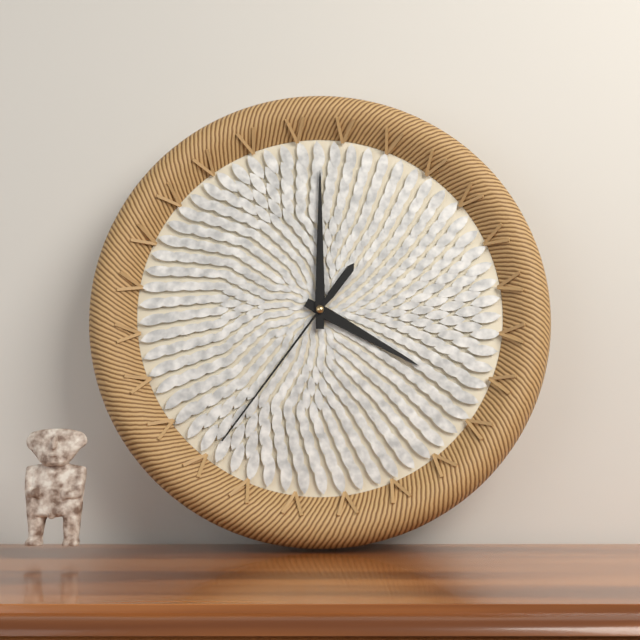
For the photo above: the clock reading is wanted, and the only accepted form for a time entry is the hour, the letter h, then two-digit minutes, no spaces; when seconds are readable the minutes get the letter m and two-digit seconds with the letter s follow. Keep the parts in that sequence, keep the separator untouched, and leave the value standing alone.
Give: 4h00m36s
